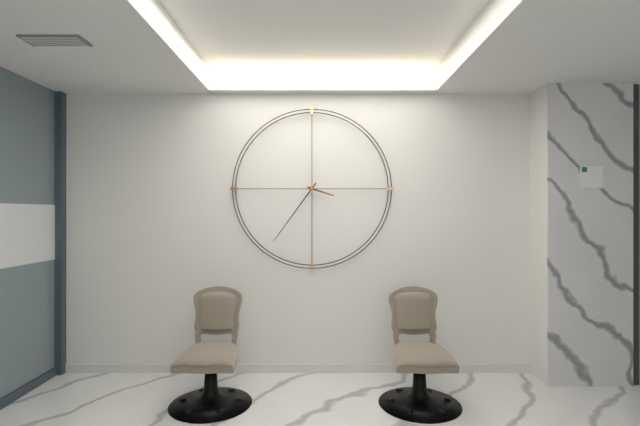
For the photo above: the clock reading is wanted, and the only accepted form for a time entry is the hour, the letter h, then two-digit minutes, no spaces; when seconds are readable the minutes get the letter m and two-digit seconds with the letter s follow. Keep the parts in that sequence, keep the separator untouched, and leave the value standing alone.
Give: 3h36
